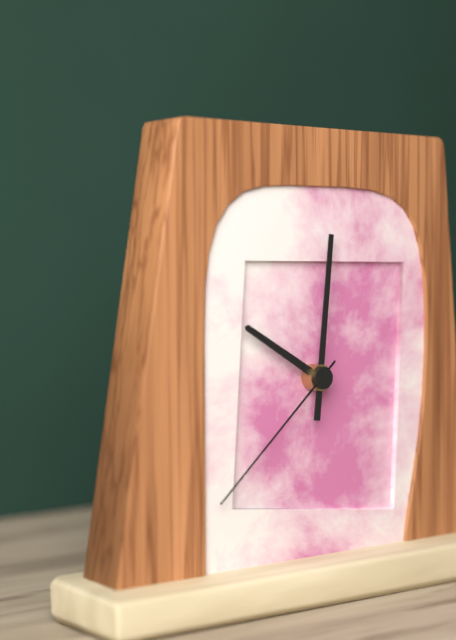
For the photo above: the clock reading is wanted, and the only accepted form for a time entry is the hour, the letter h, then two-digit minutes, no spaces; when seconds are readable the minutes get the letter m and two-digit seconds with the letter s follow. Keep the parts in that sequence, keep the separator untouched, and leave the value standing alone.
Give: 10h01m38s
